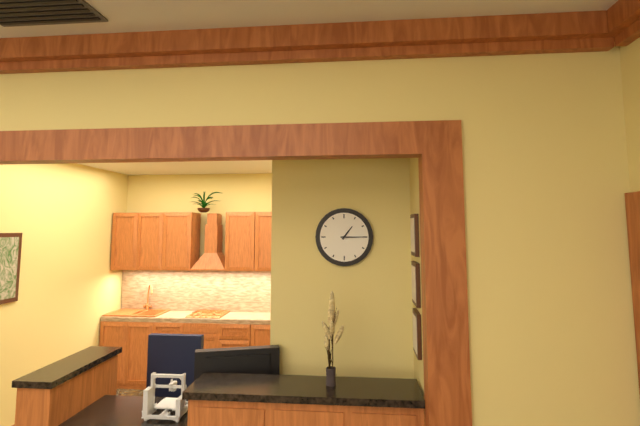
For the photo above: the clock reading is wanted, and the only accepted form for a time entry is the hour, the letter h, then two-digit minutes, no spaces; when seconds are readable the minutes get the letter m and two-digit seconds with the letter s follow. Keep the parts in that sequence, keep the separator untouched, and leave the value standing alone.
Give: 1h15
